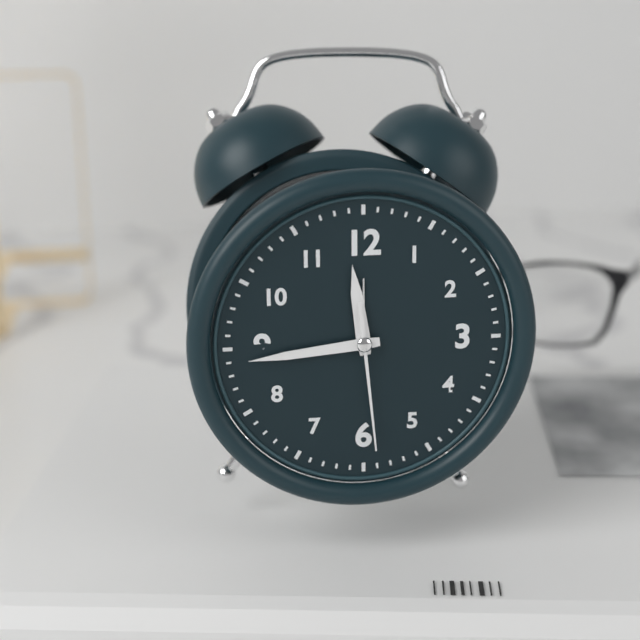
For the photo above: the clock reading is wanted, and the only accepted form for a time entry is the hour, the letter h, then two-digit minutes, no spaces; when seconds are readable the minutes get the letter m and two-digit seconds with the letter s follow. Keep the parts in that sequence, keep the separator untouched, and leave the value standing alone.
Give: 11h44m29s
